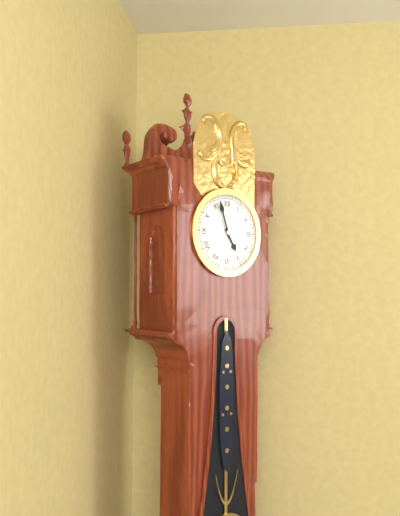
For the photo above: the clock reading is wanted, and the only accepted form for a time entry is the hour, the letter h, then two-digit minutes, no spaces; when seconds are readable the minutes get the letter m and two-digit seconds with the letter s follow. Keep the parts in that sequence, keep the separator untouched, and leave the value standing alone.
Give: 4h57
